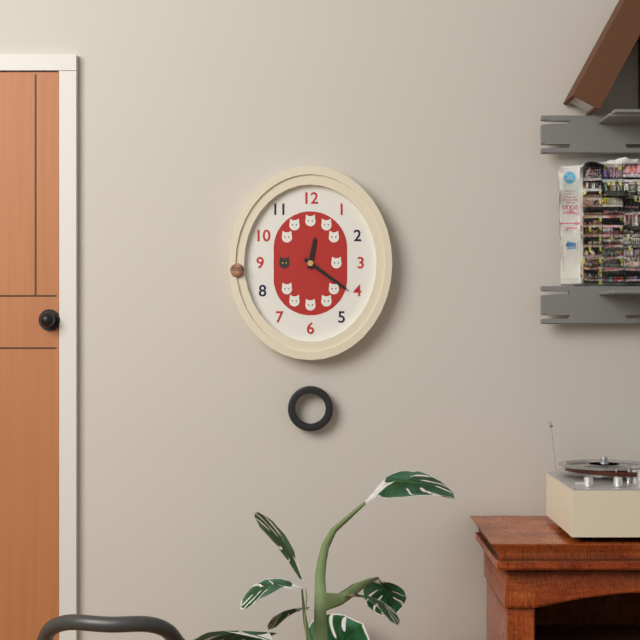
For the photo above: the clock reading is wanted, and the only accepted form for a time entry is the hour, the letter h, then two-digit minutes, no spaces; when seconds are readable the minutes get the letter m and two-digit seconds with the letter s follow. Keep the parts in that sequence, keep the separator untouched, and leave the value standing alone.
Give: 12h21
